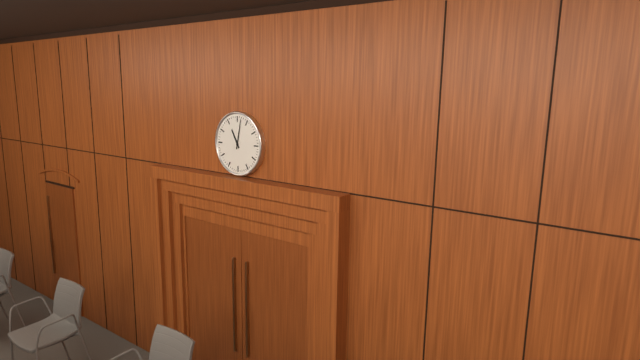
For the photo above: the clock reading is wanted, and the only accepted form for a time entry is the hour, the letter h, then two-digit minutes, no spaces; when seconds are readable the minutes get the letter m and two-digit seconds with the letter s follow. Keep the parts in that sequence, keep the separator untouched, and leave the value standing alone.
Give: 11h02
